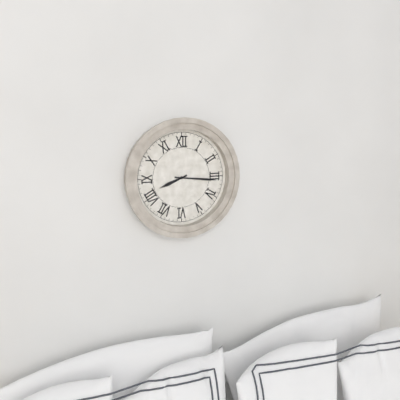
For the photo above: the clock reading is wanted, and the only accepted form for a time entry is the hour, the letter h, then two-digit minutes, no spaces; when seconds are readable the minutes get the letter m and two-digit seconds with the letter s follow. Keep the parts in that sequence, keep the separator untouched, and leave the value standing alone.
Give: 8h16
